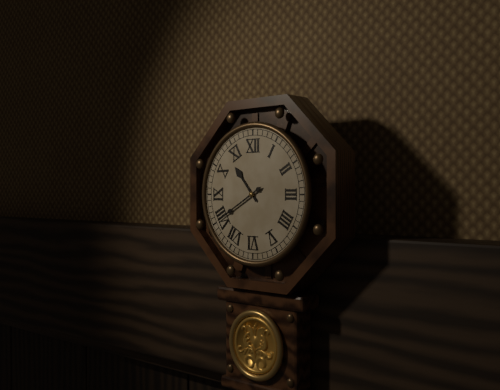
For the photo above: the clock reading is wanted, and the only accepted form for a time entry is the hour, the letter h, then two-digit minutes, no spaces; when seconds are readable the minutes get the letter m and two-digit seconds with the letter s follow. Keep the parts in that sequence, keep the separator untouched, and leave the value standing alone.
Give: 10h40
